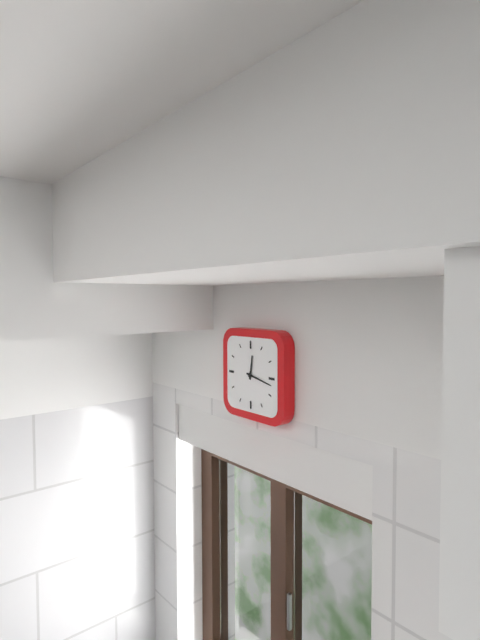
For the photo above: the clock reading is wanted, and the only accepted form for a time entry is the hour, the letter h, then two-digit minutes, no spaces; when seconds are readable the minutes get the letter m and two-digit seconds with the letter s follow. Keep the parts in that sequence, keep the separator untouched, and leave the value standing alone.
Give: 12h17
